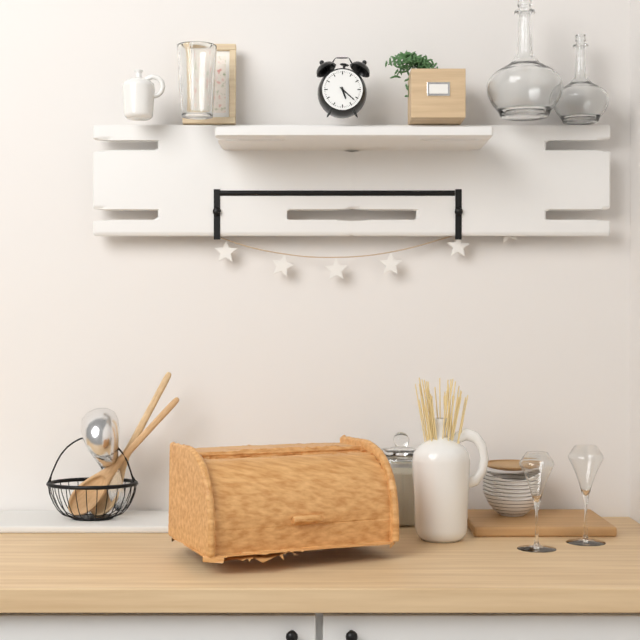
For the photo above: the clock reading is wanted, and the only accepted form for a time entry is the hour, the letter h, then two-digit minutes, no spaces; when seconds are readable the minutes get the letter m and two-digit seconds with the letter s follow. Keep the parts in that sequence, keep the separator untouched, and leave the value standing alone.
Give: 5h22
